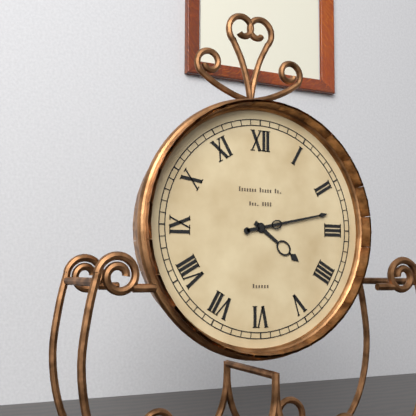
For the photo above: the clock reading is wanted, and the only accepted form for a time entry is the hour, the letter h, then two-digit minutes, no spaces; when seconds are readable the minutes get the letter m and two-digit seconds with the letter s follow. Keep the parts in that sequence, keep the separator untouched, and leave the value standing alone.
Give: 4h13
